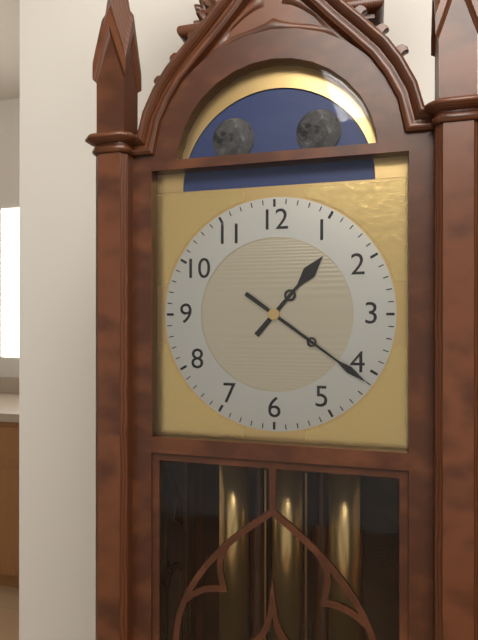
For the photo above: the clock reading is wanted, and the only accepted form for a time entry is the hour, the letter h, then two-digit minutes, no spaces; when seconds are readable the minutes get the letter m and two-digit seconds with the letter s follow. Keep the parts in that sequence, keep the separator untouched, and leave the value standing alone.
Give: 1h21
